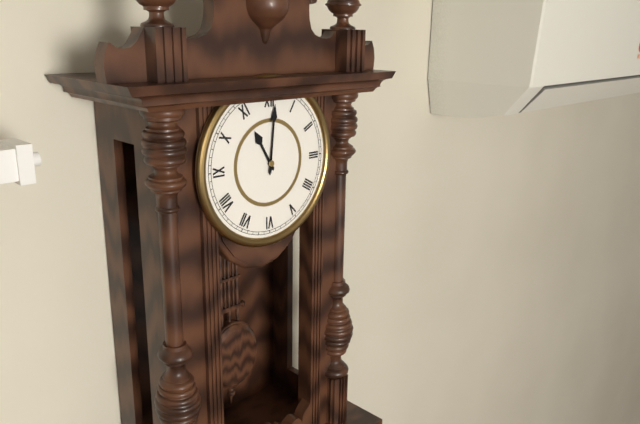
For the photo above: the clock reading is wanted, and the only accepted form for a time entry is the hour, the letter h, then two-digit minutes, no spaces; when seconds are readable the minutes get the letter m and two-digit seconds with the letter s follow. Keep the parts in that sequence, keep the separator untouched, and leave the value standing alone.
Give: 11h01
